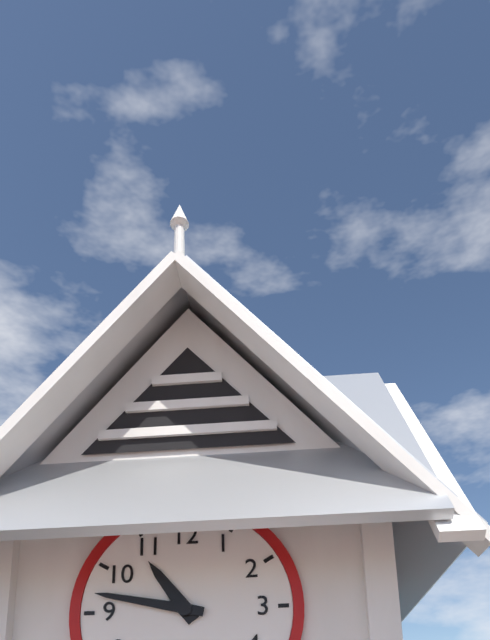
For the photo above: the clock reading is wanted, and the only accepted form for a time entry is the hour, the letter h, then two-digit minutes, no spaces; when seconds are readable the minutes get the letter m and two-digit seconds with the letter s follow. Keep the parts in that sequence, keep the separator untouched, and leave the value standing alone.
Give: 10h47
